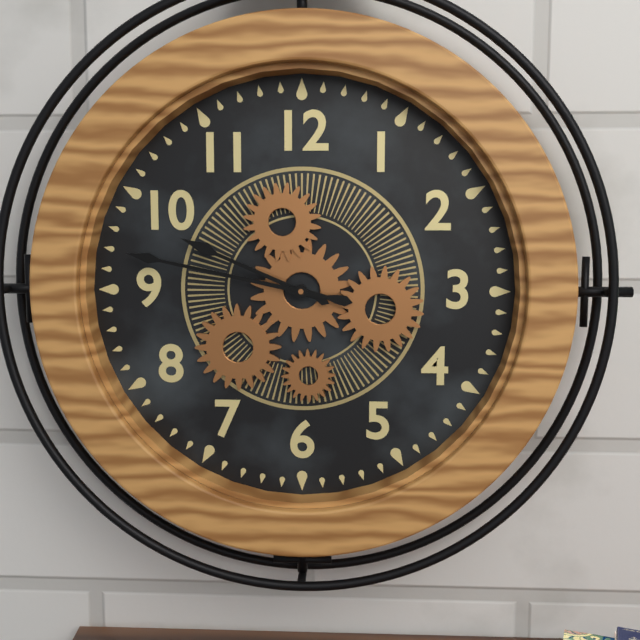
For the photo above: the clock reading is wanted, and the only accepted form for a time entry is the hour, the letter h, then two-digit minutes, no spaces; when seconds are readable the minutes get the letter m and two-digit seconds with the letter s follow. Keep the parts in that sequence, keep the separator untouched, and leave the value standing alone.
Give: 9h47
